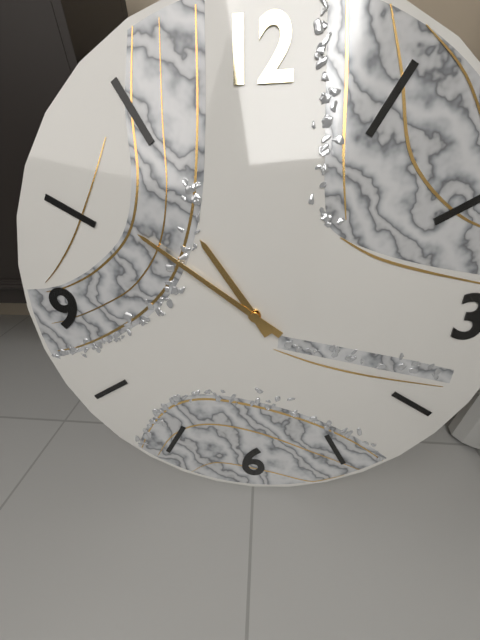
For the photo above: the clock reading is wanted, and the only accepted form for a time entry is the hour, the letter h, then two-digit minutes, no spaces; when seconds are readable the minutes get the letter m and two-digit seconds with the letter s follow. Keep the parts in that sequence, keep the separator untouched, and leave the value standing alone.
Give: 10h51
